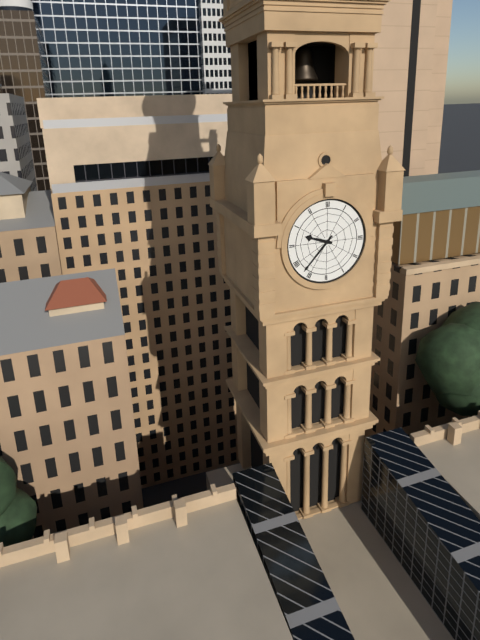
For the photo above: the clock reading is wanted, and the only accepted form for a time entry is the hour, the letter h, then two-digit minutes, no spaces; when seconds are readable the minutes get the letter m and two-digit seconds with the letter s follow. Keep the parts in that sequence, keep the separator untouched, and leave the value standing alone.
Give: 9h37
